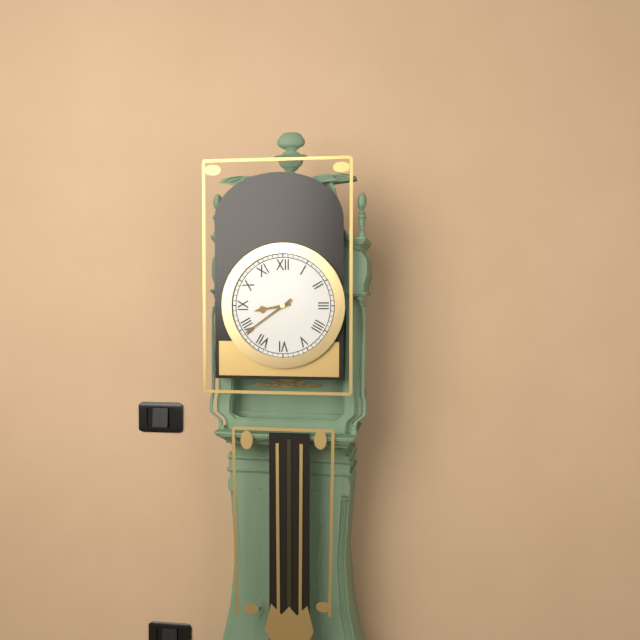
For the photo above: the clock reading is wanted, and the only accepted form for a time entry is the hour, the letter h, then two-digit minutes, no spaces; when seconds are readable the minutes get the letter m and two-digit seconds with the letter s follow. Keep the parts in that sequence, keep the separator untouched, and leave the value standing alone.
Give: 8h39
